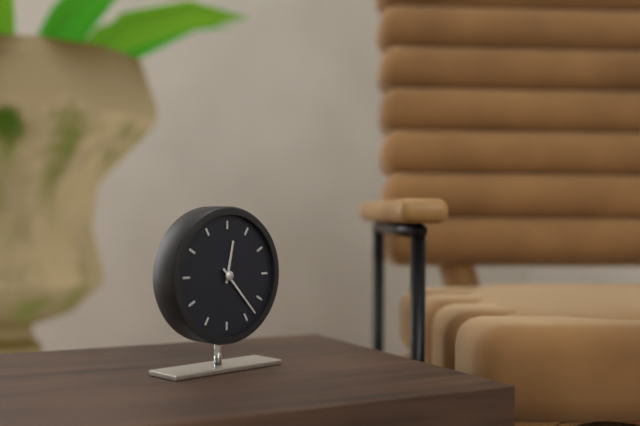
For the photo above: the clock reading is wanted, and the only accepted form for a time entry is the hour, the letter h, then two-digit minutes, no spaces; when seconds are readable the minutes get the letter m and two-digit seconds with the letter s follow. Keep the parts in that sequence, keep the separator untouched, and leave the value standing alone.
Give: 12h23
